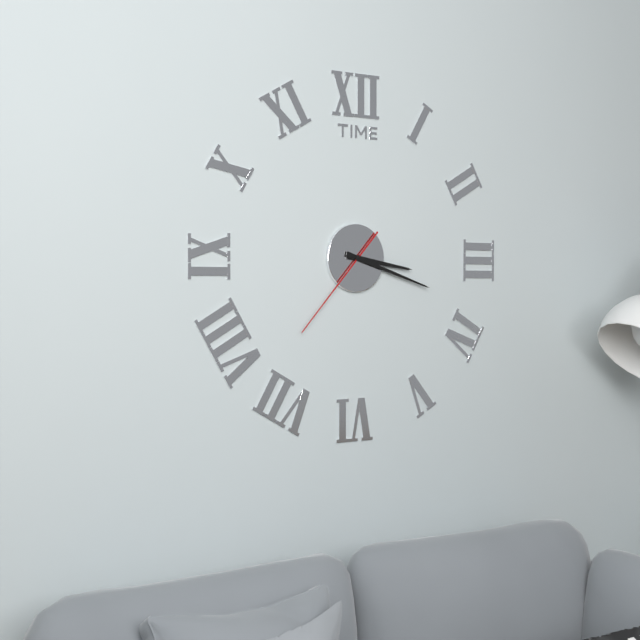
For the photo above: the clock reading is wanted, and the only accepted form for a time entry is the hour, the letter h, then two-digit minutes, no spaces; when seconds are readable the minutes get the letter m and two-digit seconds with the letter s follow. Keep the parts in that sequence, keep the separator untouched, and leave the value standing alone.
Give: 3h18m37s
